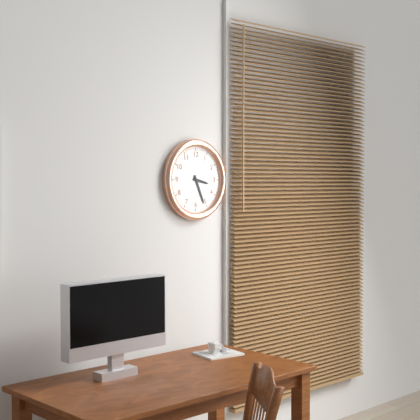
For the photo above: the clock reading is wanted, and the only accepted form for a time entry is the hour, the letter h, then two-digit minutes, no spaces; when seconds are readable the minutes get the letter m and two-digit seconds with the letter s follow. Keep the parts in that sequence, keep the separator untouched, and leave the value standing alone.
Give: 3h26
